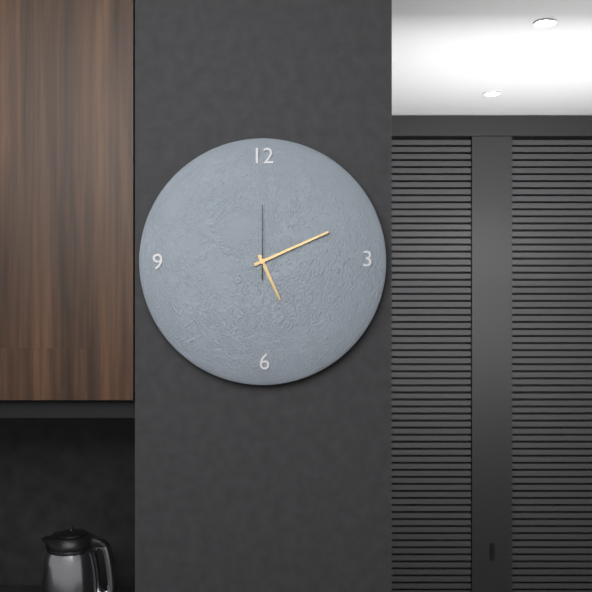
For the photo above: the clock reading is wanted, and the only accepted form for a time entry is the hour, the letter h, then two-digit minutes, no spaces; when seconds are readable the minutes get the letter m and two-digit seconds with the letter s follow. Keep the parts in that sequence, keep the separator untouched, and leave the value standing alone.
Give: 5h11m00s
